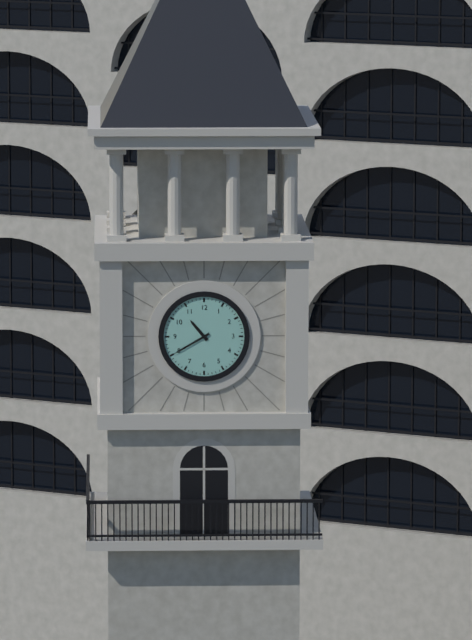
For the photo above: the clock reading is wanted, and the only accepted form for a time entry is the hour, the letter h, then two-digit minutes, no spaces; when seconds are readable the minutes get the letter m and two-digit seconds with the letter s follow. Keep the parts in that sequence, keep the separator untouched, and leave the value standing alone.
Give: 10h40
